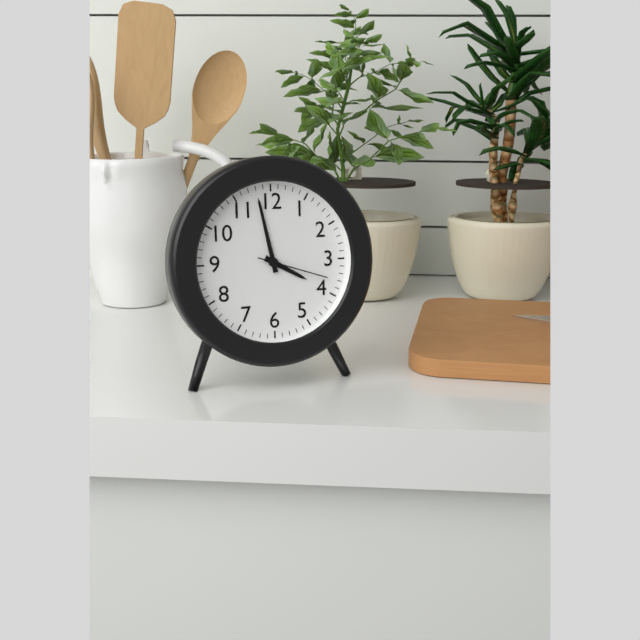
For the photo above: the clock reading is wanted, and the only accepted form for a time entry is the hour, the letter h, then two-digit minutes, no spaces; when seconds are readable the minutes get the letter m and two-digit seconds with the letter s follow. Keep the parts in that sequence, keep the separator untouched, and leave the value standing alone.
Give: 3h58m18s
